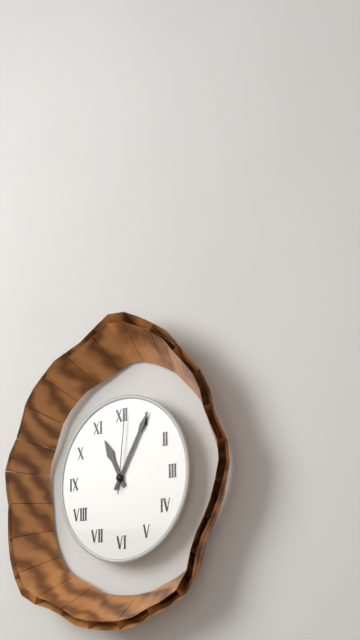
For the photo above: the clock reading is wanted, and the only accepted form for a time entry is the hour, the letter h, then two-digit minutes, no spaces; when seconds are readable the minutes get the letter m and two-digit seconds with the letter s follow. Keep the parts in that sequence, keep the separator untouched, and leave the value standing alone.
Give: 11h05m01s
